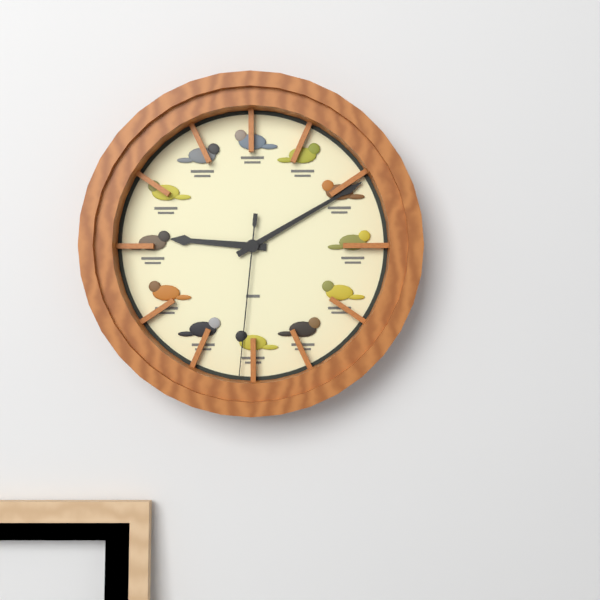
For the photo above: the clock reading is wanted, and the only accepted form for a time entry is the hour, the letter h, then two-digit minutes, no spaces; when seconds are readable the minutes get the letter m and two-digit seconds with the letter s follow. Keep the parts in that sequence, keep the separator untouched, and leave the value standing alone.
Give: 9h10m31s
